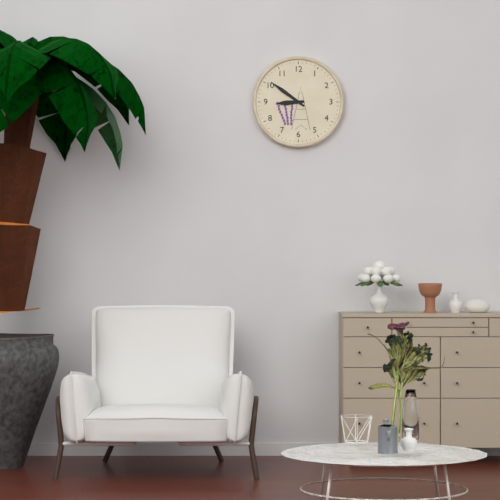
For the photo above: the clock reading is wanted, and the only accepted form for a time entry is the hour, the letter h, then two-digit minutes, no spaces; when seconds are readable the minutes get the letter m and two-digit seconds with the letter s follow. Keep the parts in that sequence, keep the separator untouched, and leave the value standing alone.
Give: 8h51
